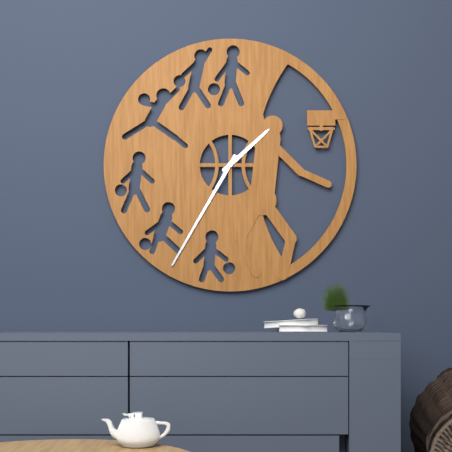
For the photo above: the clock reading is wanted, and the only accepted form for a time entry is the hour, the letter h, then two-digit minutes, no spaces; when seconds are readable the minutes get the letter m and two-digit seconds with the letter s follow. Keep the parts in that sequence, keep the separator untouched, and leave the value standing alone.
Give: 1h35
